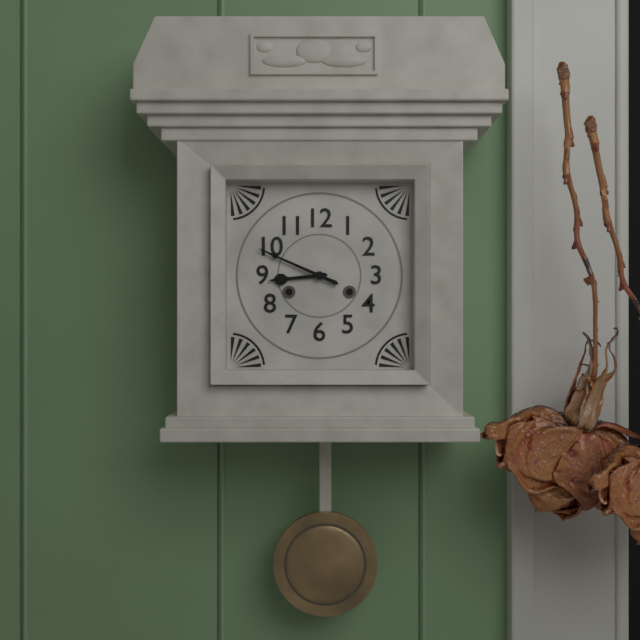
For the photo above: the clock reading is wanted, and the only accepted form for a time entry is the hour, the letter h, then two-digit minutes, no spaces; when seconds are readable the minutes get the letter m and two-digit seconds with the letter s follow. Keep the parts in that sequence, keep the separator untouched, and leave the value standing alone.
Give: 8h49
